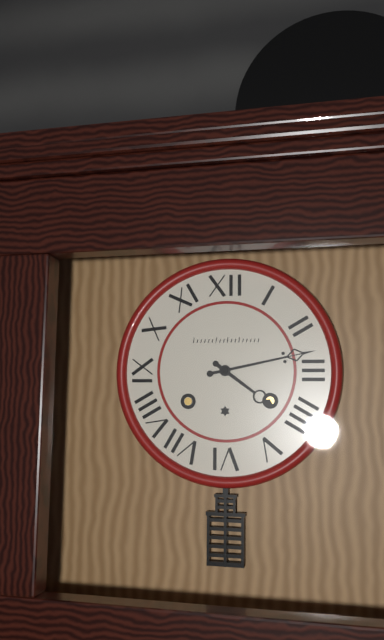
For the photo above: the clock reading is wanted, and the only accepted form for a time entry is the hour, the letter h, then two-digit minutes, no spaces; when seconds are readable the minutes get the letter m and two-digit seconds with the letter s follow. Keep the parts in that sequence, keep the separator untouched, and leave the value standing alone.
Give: 4h13
